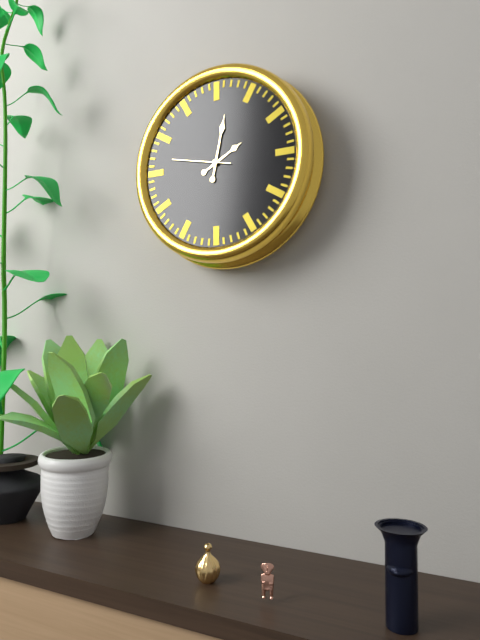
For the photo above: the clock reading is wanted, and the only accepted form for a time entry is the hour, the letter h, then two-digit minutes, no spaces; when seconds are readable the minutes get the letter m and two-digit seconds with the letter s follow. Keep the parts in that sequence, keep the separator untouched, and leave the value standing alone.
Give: 2h02m47s
